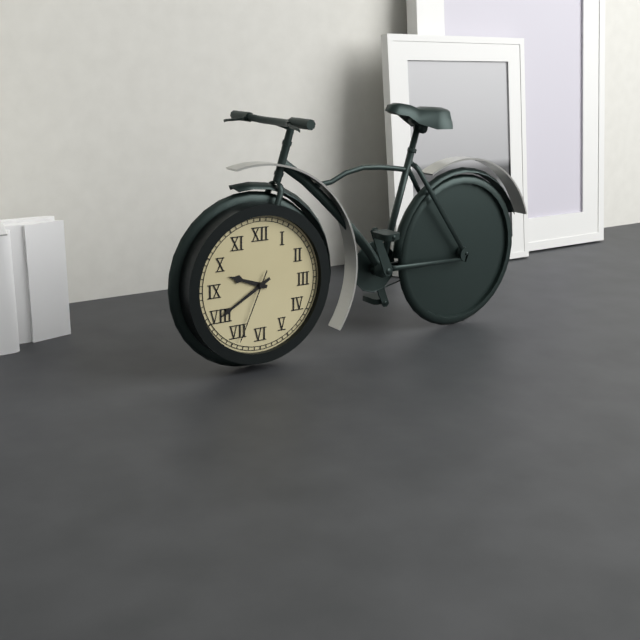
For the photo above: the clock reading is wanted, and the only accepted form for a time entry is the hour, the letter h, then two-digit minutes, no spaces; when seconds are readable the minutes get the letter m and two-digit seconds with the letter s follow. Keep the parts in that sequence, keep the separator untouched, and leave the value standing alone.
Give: 9h40m34s
